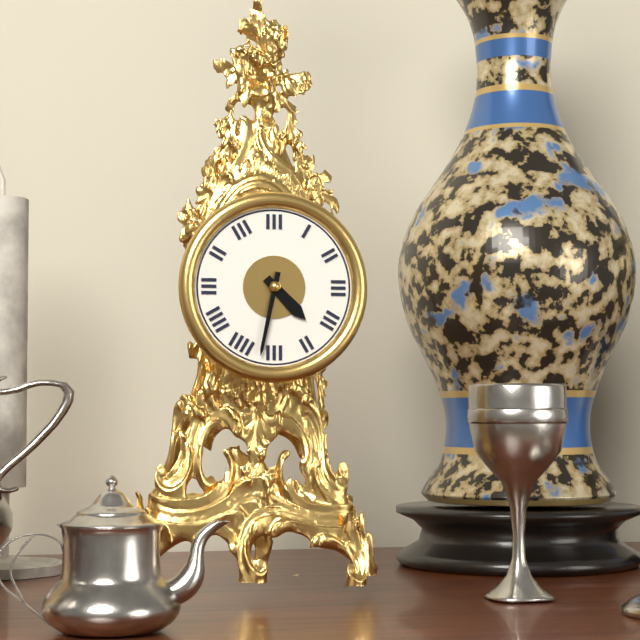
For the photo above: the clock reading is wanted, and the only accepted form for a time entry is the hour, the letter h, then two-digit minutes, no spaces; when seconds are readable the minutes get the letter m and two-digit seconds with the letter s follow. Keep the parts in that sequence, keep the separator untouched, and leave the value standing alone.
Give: 4h32
